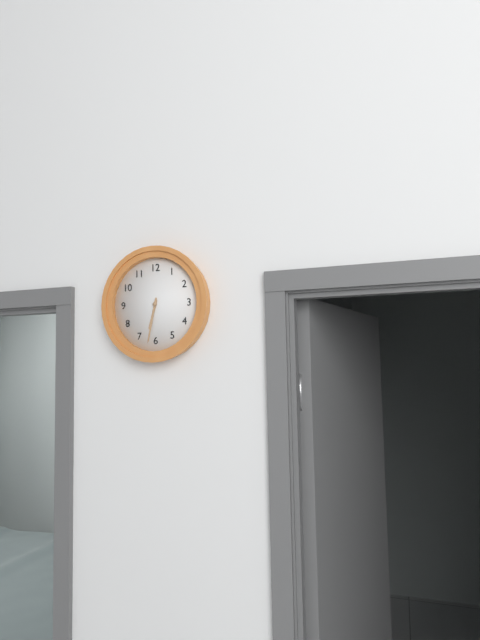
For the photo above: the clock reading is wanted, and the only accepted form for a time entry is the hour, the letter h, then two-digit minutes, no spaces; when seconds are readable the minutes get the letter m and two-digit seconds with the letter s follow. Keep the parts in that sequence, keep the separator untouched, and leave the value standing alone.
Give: 6h32
